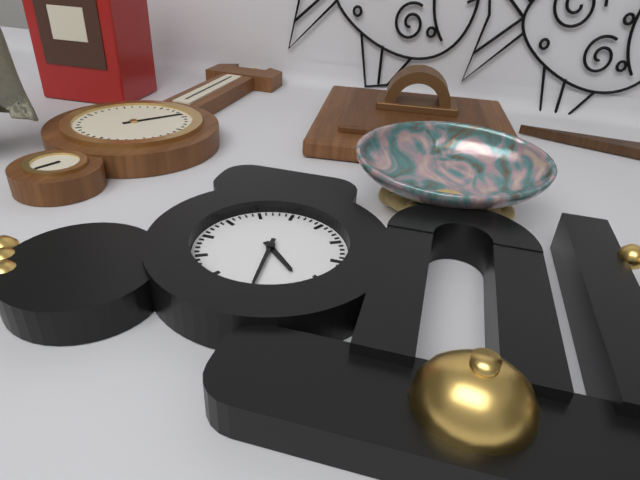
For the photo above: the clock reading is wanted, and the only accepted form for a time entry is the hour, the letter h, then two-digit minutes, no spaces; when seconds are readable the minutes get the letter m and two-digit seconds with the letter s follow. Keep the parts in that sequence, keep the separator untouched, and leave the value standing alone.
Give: 4h29
